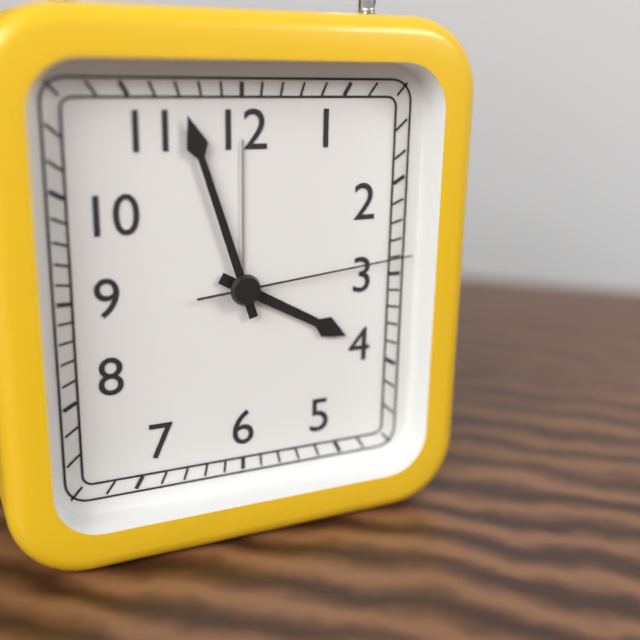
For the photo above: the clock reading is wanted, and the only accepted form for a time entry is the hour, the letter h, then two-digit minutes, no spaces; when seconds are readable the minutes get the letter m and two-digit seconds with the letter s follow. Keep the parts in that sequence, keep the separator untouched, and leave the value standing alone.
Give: 3h57m14s
